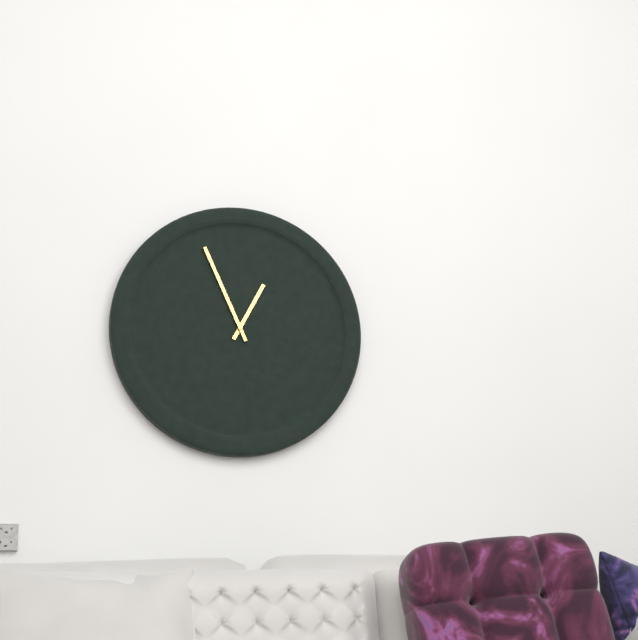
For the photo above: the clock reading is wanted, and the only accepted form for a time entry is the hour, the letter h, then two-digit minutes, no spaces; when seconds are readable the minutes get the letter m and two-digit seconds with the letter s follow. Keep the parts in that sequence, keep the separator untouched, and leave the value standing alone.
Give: 12h56
